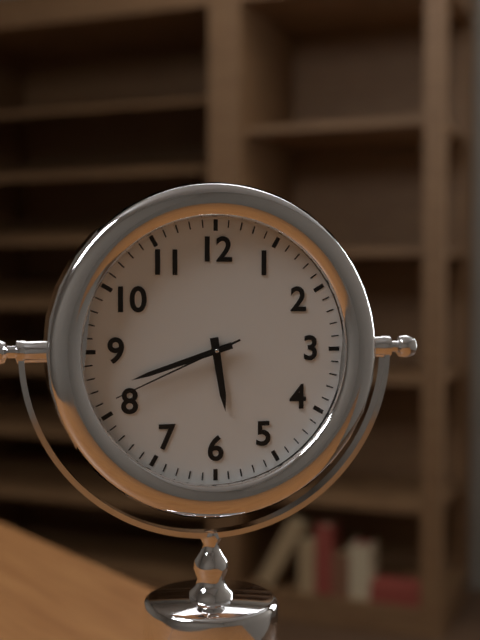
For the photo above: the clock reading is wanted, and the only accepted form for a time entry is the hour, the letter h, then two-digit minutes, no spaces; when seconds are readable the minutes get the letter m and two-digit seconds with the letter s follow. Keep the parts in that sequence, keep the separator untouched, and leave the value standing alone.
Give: 5h42m41s
